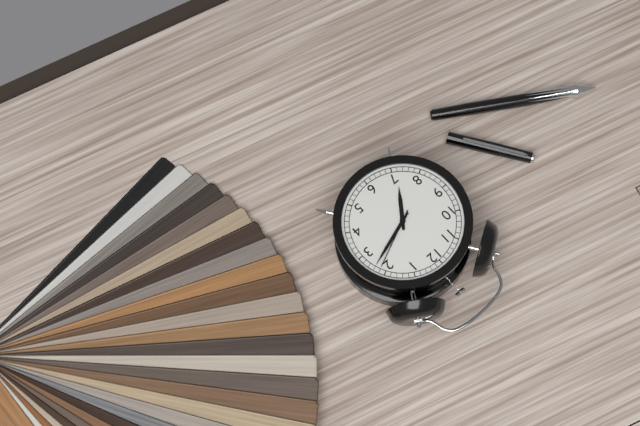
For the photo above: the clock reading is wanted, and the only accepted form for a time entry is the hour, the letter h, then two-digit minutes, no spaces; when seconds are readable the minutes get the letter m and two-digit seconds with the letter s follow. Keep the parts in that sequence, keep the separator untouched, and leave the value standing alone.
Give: 7h12m11s
